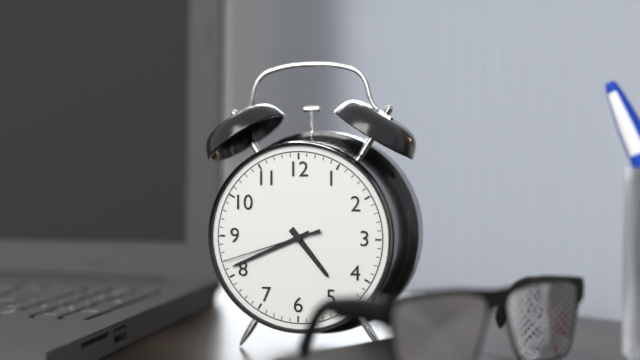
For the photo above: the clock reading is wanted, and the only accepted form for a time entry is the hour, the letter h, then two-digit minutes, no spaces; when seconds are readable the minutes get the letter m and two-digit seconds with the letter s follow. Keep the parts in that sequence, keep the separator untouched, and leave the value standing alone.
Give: 4h41m42s
